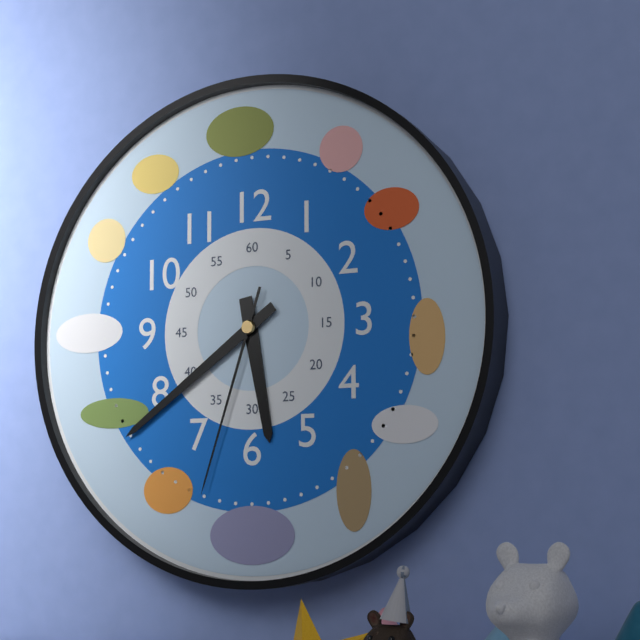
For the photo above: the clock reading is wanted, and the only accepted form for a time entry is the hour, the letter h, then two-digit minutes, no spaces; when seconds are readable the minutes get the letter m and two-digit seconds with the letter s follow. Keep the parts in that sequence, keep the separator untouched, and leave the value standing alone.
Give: 5h39m33s
